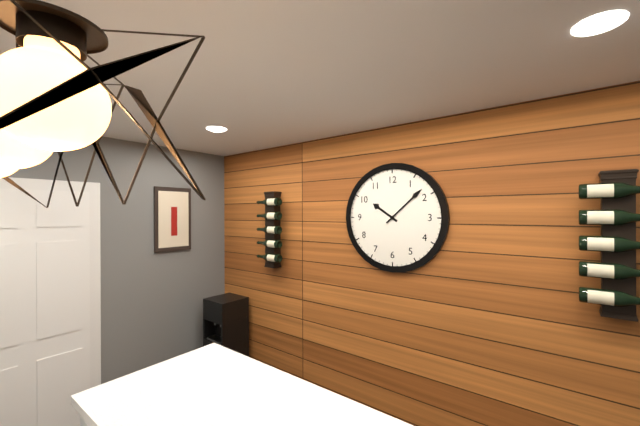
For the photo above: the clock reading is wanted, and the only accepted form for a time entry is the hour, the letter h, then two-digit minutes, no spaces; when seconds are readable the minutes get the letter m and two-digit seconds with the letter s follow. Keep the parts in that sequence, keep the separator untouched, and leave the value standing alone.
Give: 10h08
